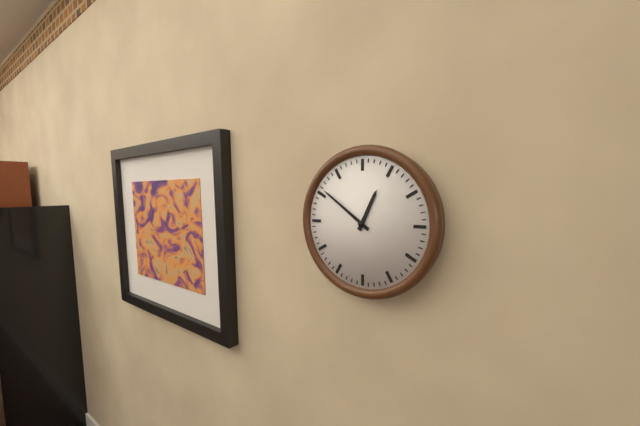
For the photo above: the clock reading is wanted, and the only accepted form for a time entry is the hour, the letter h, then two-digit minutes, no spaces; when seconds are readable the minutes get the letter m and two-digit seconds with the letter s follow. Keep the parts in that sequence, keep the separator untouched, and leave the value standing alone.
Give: 12h51
